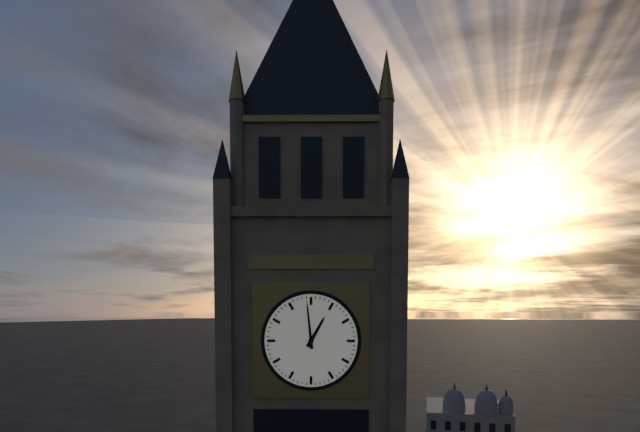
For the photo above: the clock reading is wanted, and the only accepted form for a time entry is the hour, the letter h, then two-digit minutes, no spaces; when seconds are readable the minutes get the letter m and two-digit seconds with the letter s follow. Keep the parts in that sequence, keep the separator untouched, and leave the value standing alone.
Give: 12h59
